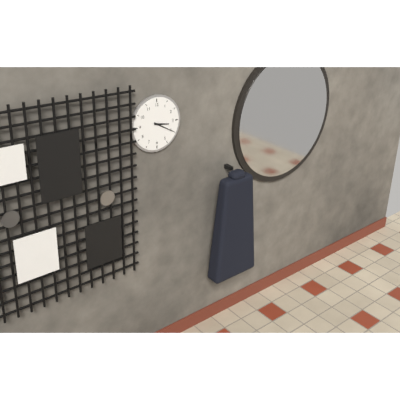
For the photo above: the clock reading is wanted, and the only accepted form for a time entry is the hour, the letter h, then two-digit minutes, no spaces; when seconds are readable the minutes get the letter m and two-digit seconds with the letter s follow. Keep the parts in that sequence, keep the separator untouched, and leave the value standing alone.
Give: 3h20
